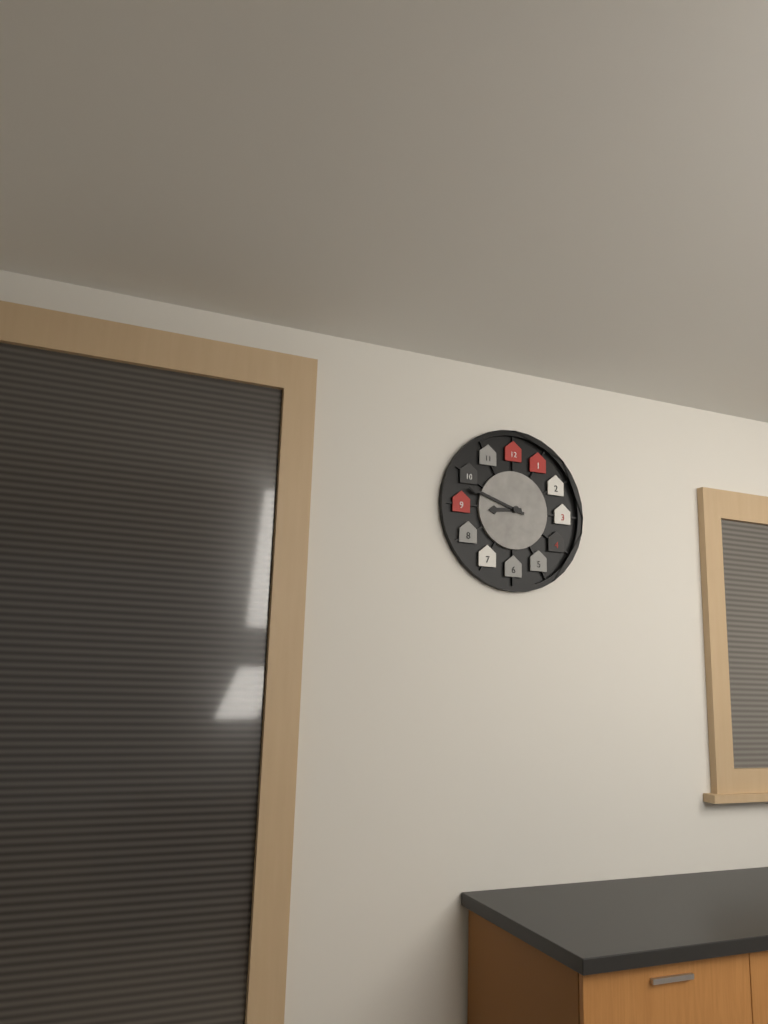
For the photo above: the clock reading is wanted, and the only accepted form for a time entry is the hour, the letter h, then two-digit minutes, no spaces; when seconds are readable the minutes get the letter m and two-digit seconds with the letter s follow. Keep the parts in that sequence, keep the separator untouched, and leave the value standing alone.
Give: 8h48
